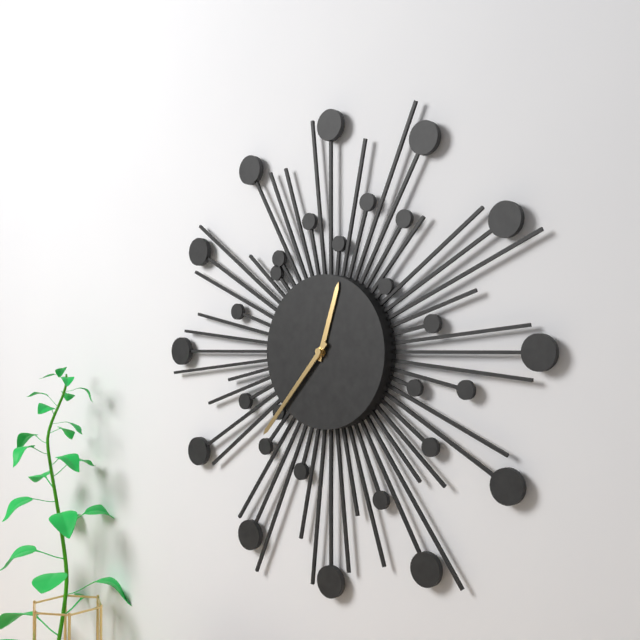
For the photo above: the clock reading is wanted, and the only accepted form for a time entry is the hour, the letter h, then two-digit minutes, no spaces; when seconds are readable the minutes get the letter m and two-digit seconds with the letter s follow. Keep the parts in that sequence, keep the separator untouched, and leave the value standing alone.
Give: 12h37
